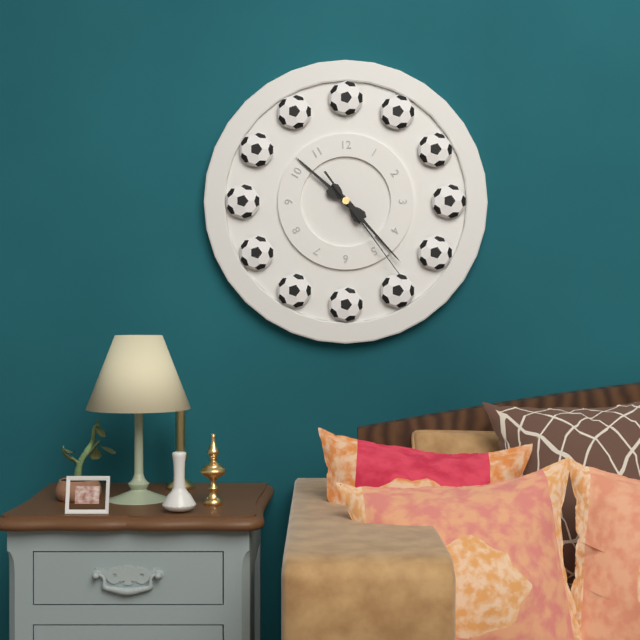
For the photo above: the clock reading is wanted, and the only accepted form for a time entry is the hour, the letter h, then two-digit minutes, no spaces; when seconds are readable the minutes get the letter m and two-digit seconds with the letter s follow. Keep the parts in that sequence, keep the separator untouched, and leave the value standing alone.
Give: 10h23m24s
